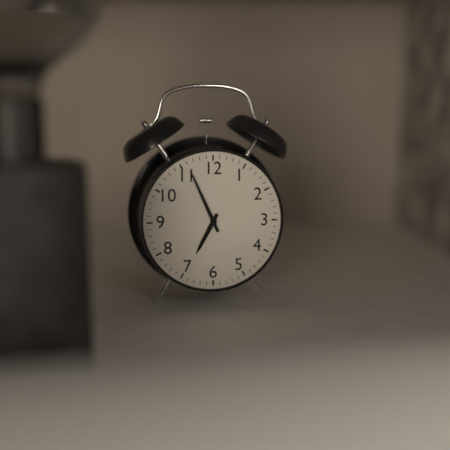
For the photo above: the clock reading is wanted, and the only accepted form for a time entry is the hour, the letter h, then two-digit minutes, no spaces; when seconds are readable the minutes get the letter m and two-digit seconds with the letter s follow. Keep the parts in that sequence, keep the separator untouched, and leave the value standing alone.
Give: 6h56
